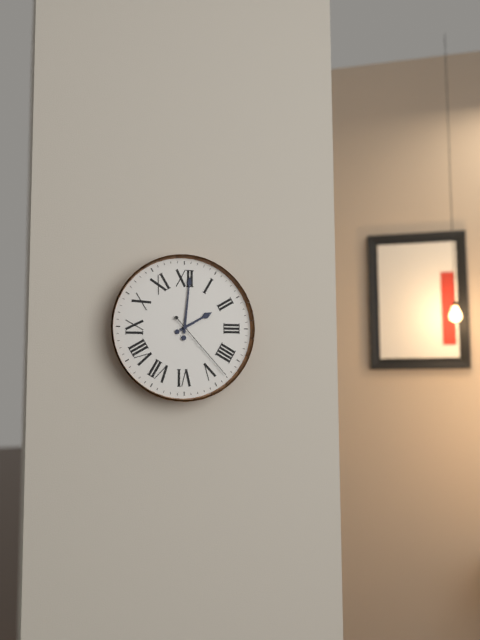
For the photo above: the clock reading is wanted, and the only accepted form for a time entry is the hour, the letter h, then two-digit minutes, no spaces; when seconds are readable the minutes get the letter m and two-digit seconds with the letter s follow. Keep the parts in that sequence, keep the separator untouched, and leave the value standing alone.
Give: 2h01m23s
